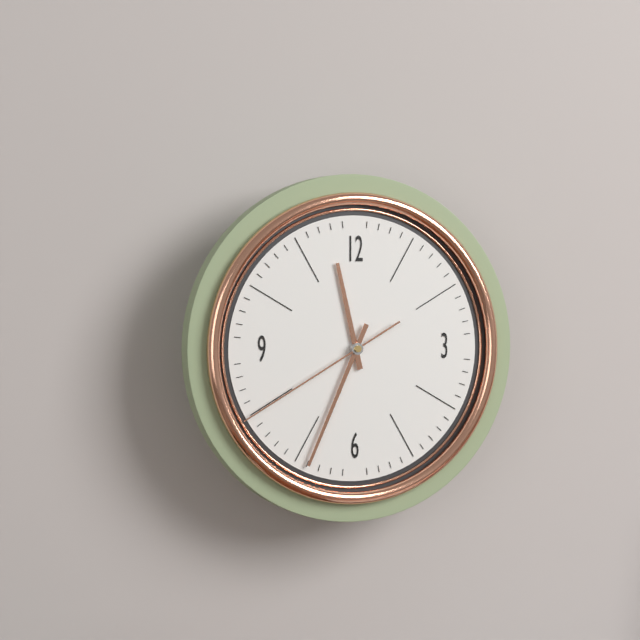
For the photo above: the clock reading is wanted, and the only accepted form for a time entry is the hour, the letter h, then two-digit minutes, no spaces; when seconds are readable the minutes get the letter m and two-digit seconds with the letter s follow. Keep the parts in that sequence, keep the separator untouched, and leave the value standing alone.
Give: 11h34m40s
